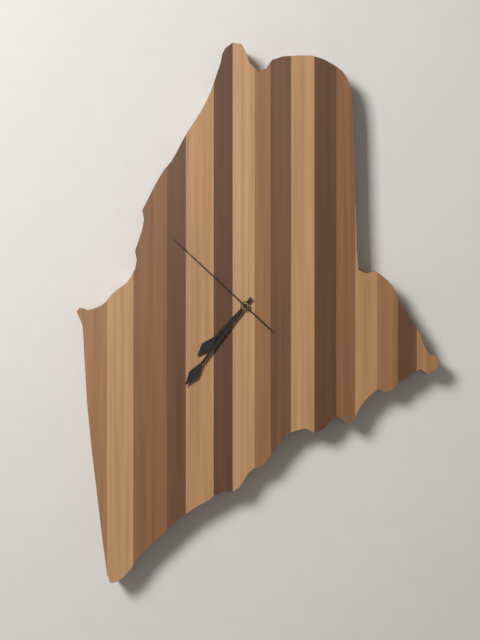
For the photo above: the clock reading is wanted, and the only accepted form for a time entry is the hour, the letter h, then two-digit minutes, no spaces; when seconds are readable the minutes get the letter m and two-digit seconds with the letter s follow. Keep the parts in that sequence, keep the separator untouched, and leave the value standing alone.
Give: 7h37m53s
